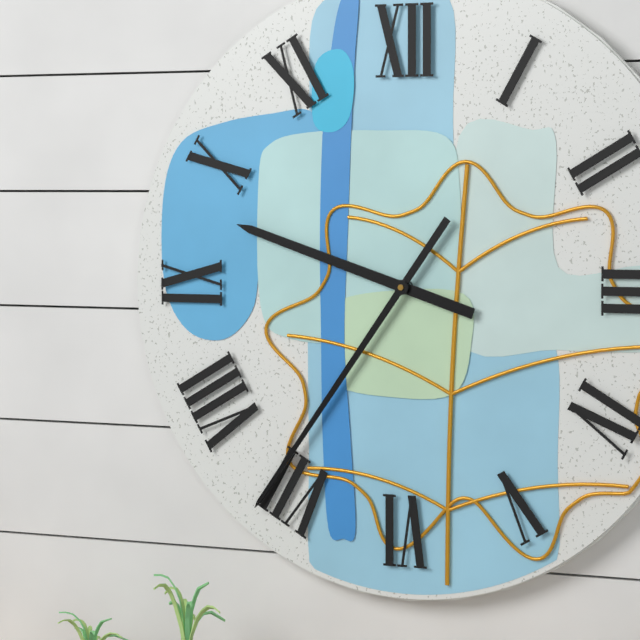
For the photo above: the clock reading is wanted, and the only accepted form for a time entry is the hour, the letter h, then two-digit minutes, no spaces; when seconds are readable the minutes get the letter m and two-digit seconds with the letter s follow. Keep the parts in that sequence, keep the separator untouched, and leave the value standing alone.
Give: 9h36
